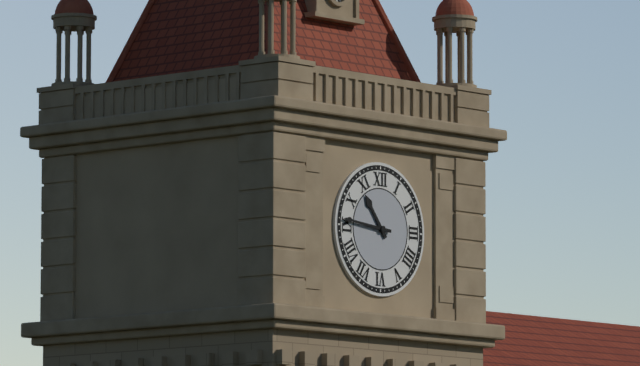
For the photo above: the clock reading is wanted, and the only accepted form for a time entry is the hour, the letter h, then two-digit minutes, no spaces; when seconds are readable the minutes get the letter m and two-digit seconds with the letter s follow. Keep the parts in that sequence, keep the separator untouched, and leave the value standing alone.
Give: 10h46
